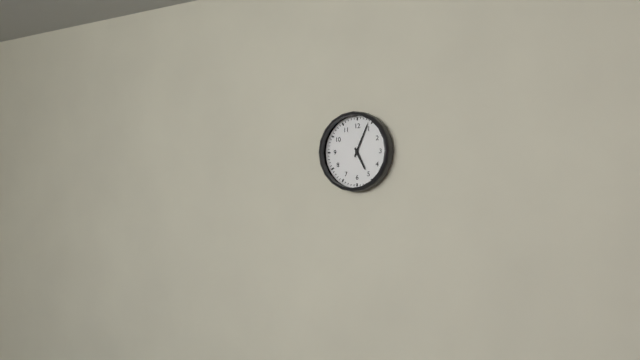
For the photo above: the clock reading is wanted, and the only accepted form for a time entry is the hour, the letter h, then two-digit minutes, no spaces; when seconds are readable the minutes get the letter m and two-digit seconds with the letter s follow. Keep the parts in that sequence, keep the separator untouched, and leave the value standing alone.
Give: 5h04
